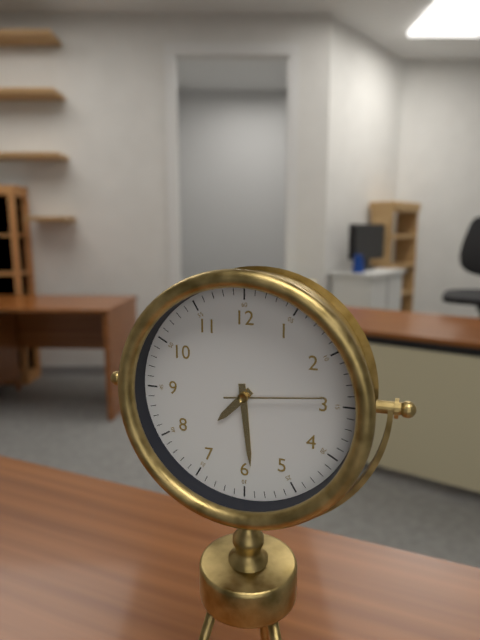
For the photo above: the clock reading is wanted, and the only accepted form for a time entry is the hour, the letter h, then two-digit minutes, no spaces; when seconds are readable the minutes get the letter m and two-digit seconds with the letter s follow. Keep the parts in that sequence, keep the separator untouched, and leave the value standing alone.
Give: 7h29m14s
